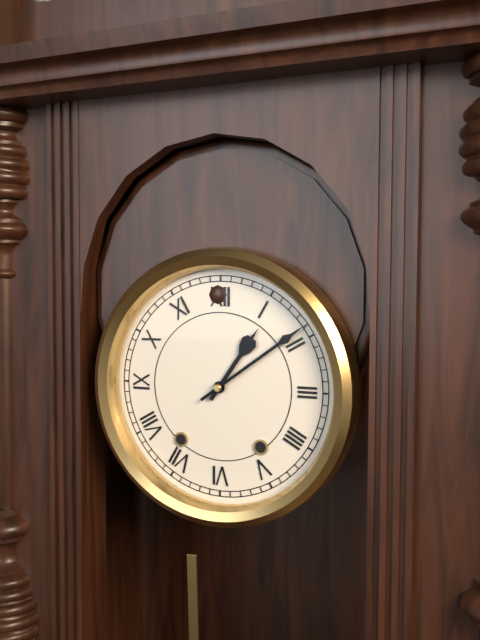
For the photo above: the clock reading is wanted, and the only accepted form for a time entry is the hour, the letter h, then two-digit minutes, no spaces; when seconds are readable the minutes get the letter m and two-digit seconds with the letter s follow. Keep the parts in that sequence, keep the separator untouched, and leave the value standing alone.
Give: 1h09
